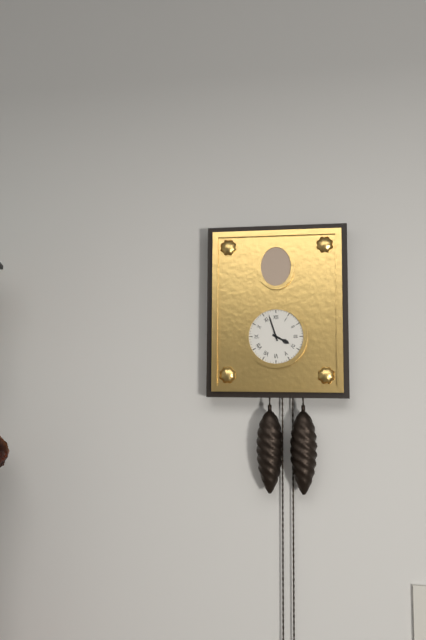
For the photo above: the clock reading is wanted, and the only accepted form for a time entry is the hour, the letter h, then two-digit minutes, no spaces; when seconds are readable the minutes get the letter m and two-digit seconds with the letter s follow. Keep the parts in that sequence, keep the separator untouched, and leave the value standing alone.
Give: 3h57
